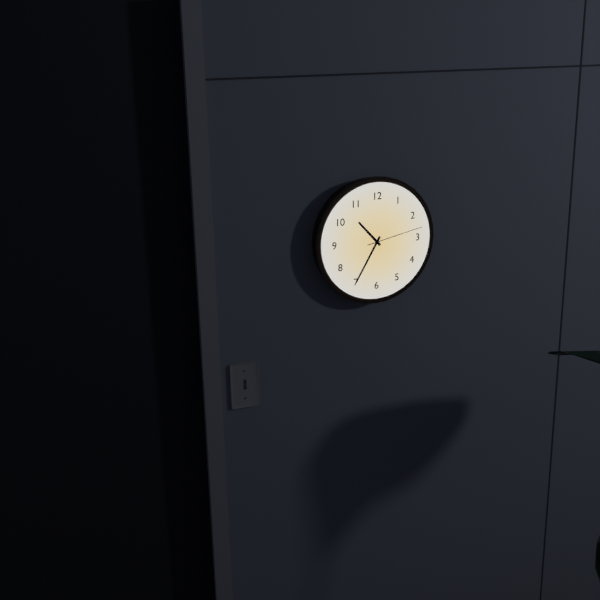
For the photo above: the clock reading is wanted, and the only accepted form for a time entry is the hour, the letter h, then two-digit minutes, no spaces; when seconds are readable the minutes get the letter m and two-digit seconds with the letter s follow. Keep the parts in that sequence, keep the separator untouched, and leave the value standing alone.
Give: 10h35m13s
